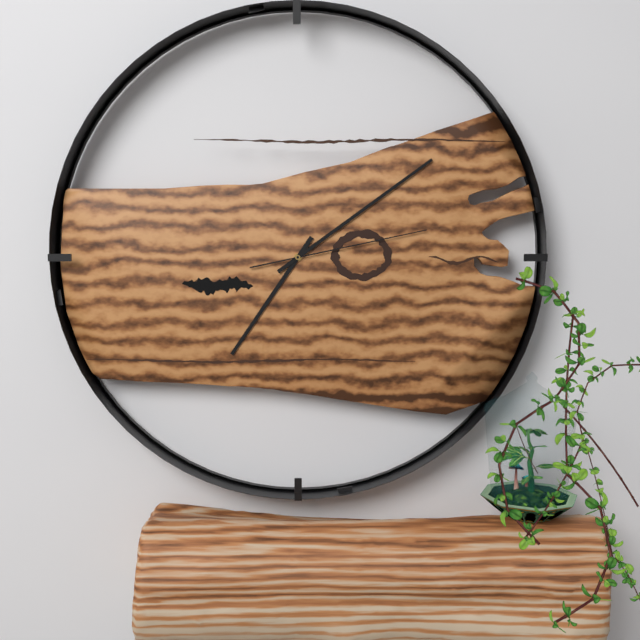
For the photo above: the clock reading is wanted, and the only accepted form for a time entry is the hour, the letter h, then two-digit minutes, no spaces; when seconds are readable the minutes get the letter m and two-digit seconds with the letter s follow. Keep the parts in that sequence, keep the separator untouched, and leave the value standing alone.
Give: 7h09m13s
